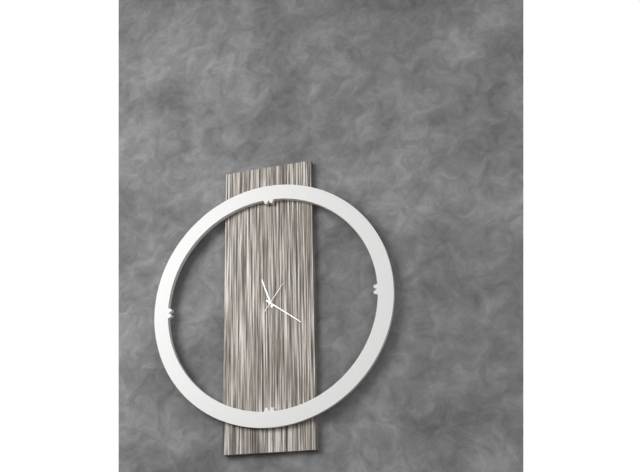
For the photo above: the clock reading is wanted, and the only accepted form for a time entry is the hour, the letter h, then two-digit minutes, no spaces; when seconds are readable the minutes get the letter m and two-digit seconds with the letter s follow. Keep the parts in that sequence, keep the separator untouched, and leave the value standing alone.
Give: 11h21
